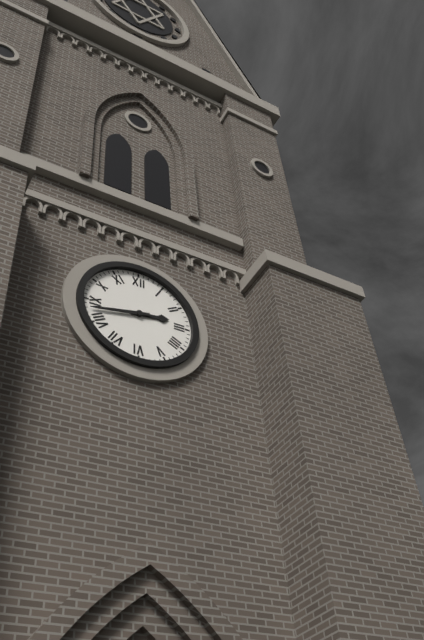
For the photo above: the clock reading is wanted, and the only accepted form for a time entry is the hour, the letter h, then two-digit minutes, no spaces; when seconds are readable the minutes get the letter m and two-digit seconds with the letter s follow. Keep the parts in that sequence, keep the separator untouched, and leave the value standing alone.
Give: 2h43
